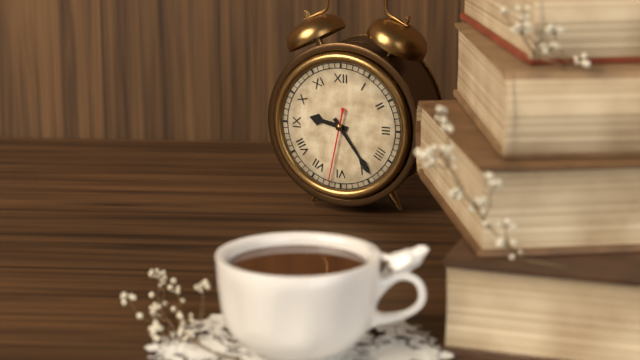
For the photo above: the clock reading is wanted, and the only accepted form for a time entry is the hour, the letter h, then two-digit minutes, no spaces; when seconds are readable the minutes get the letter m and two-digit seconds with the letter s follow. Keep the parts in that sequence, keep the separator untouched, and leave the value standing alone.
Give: 9h24m32s
